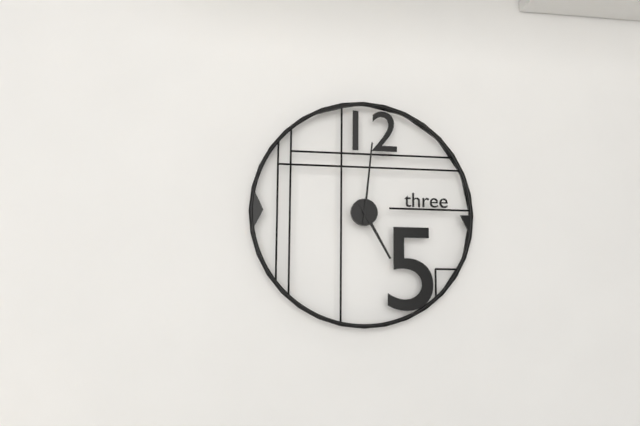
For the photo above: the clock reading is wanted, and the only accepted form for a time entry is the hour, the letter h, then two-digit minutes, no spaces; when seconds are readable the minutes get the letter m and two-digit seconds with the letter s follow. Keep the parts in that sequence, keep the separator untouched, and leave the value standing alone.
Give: 5h01
